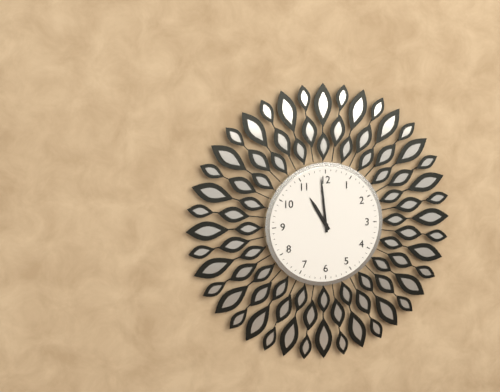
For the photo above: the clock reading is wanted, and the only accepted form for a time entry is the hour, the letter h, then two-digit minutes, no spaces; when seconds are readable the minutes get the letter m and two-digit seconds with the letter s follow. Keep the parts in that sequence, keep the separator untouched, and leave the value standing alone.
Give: 10h59
